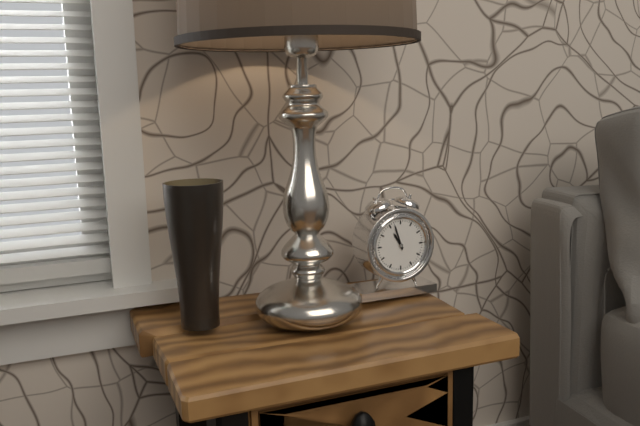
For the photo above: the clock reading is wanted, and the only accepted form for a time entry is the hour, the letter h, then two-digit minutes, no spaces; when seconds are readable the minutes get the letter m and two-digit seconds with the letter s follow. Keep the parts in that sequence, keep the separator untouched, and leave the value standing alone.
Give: 10h57
